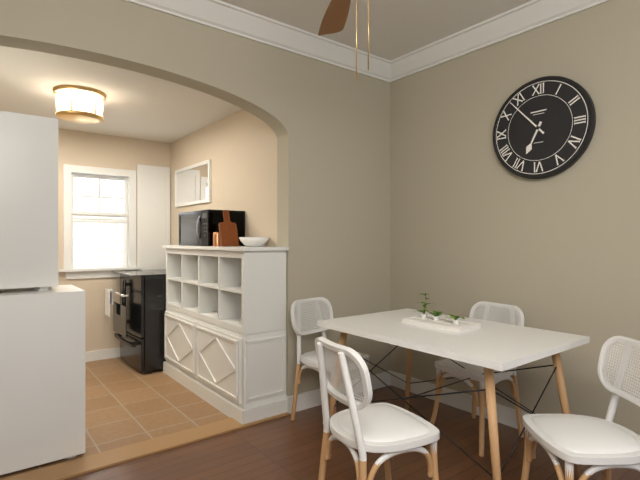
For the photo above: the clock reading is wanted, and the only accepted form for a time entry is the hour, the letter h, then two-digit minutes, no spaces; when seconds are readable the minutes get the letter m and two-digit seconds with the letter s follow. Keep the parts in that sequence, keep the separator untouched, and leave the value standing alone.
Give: 6h53
